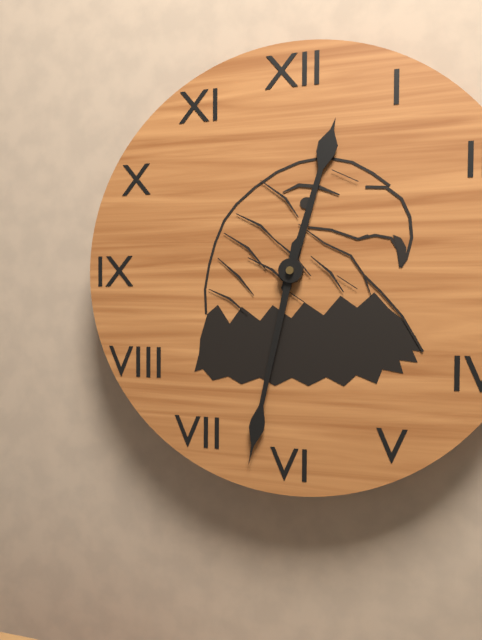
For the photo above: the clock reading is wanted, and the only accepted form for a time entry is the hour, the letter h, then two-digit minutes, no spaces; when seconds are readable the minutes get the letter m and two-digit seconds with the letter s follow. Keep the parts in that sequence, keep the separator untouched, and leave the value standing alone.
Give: 12h32
